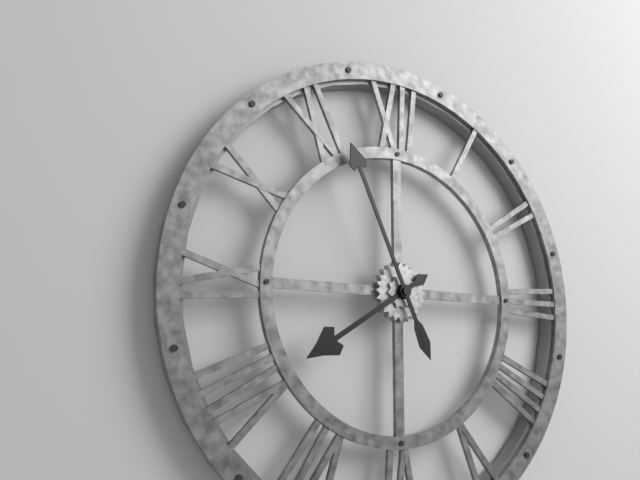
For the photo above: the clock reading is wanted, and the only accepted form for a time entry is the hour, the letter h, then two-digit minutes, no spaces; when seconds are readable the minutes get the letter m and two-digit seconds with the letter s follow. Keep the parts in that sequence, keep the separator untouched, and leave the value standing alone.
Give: 7h56
